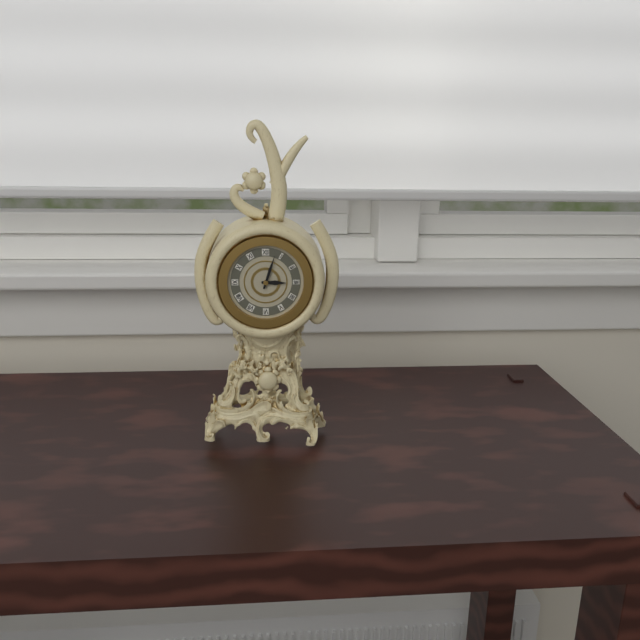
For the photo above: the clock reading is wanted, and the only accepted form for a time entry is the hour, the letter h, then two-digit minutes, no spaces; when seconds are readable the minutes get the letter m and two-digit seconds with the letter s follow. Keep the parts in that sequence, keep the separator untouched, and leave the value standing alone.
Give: 3h03
